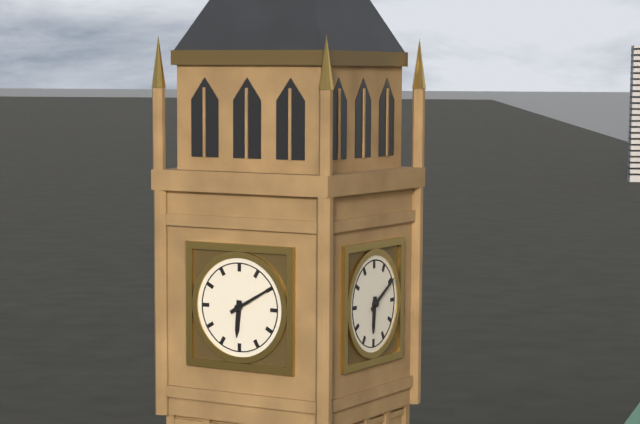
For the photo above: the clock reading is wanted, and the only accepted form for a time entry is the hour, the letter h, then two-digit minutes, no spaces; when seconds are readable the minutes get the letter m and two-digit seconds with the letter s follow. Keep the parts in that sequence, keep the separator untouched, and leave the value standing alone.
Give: 6h10
